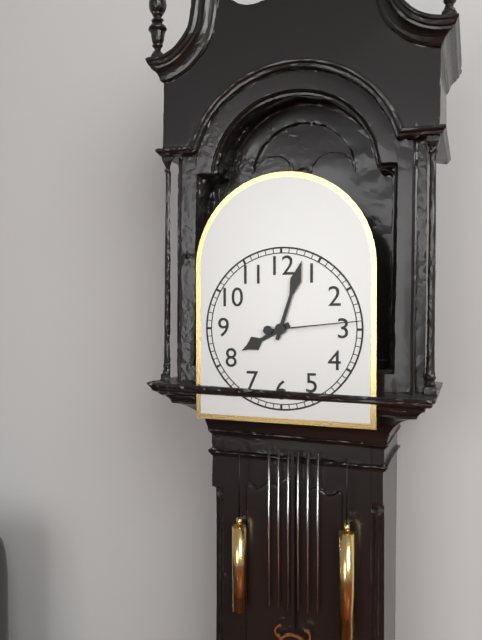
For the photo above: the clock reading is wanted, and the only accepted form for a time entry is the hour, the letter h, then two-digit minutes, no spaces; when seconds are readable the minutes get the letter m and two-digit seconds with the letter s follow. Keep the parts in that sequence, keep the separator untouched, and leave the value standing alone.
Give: 8h03m14s
